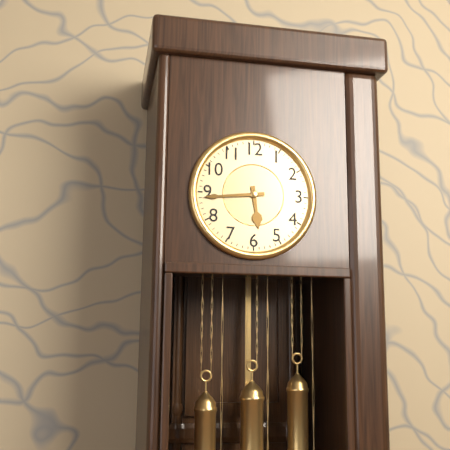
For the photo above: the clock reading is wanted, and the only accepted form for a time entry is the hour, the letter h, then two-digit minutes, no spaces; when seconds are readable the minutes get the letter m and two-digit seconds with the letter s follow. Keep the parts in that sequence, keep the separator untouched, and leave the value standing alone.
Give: 5h44
